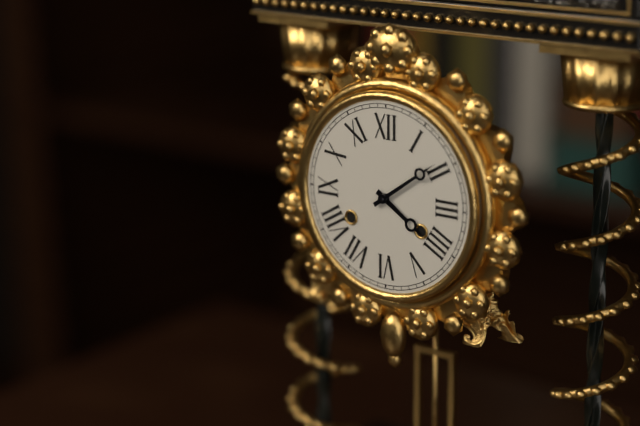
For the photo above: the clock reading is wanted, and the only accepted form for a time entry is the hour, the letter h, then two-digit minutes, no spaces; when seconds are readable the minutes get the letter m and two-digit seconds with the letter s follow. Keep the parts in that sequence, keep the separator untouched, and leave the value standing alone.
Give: 4h09
